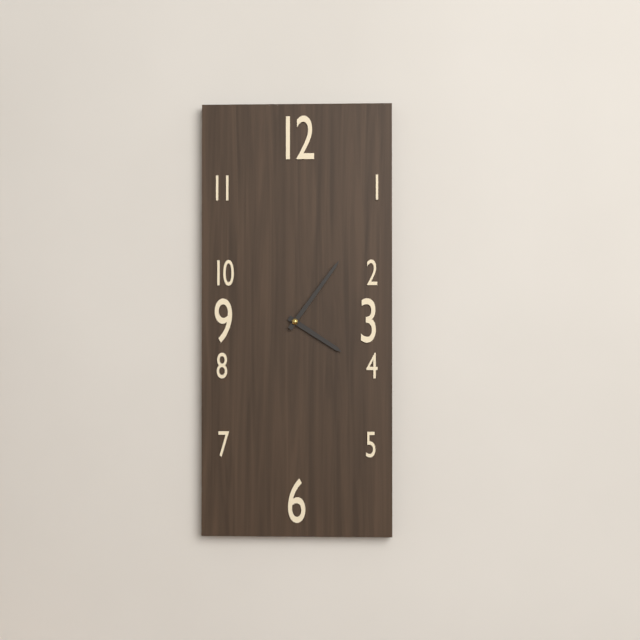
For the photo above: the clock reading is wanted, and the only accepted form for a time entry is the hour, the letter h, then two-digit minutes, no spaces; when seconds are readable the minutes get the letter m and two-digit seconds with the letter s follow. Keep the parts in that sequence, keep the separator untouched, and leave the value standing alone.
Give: 4h06
